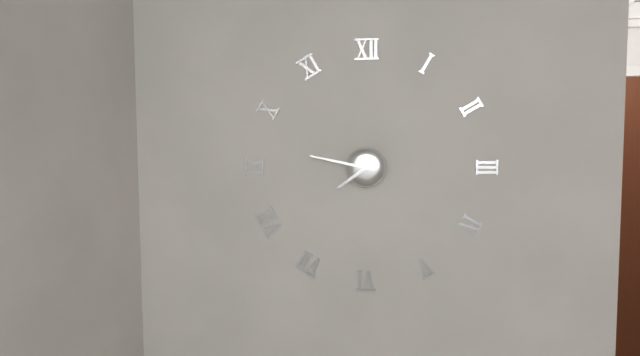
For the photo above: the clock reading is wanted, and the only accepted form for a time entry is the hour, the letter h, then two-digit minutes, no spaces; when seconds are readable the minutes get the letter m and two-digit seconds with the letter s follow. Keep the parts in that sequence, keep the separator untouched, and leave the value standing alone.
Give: 7h47
